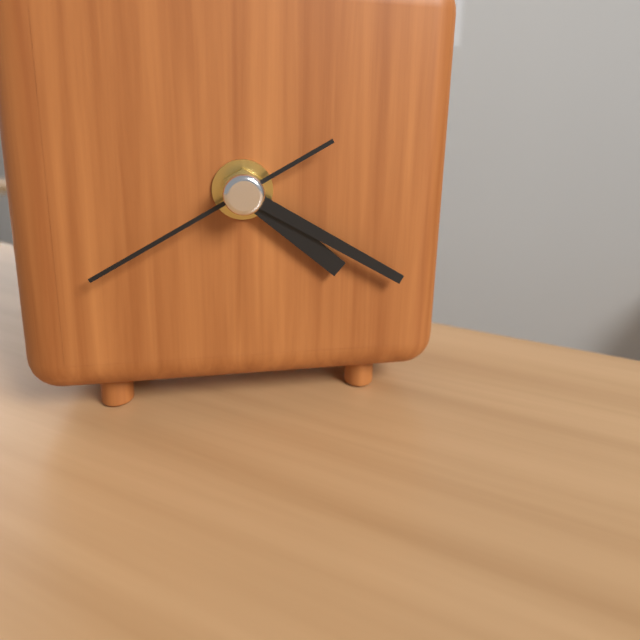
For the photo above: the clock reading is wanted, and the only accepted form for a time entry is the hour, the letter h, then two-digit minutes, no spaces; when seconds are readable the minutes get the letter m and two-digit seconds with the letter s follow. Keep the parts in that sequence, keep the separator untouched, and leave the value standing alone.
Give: 4h20m40s
